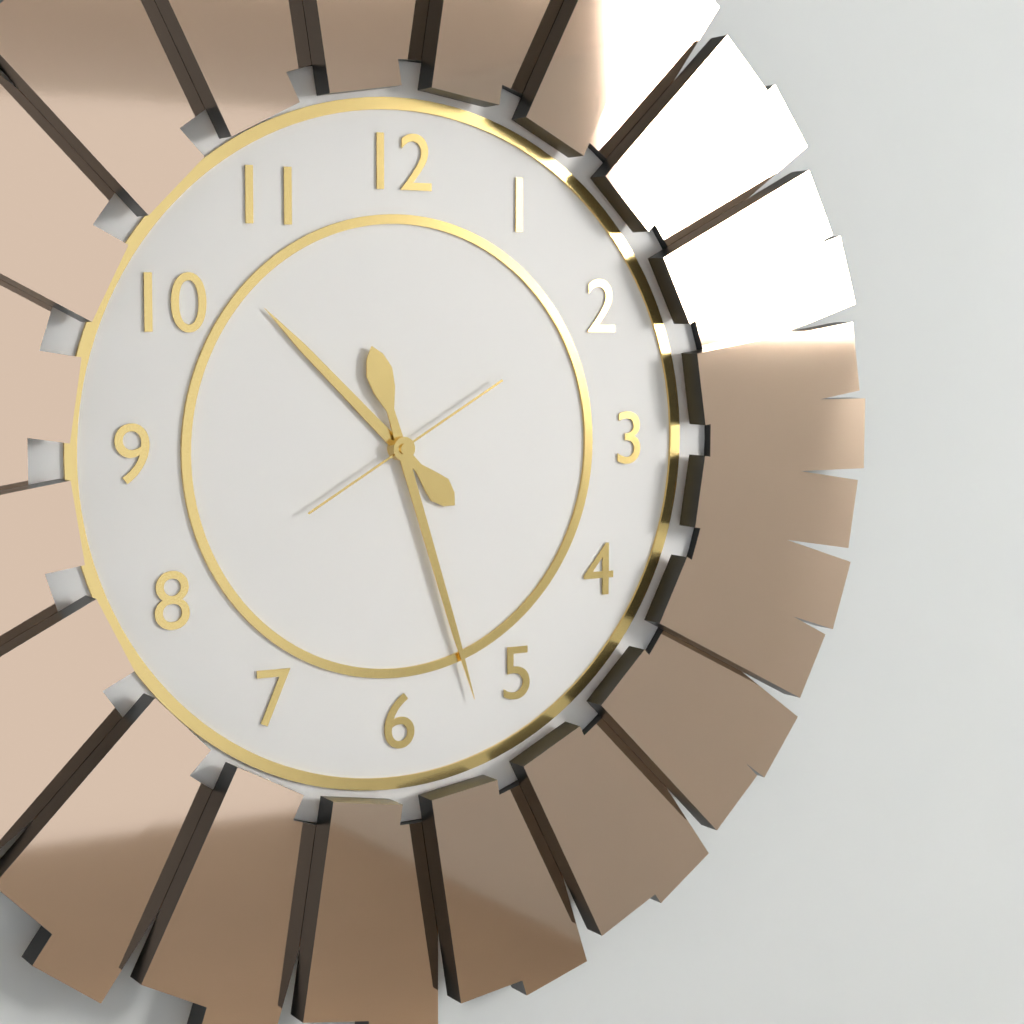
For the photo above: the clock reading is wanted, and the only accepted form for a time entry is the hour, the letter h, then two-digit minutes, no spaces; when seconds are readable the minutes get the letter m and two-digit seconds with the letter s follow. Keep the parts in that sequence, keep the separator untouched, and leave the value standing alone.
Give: 10h27m10s
